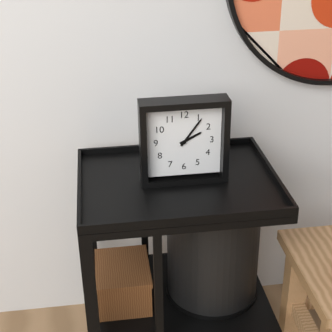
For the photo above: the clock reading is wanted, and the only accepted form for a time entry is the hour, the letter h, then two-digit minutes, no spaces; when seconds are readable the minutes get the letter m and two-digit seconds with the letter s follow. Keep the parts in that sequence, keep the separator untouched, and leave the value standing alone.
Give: 2h06
